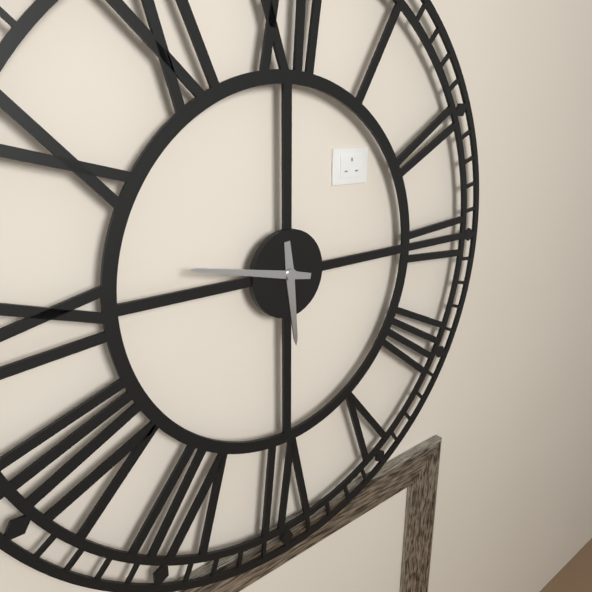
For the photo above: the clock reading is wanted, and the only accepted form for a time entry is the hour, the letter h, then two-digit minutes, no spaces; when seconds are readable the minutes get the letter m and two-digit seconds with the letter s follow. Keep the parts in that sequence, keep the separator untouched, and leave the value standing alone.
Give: 5h47
